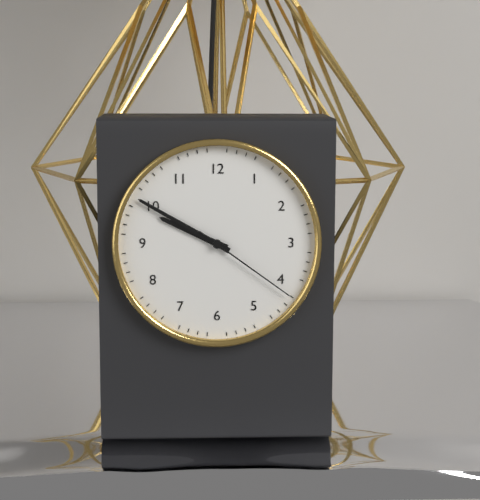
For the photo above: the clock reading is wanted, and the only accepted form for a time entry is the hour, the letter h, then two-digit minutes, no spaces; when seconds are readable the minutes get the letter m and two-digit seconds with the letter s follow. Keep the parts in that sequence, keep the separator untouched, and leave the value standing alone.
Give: 9h50m21s
